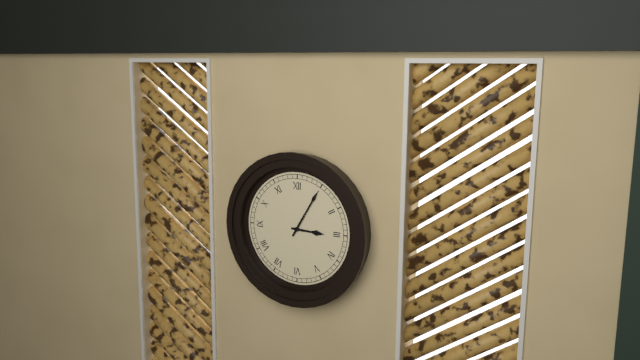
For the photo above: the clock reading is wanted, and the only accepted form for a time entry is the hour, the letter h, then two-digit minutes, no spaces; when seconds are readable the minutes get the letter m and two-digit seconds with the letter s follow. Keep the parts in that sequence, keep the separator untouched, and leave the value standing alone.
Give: 3h05
